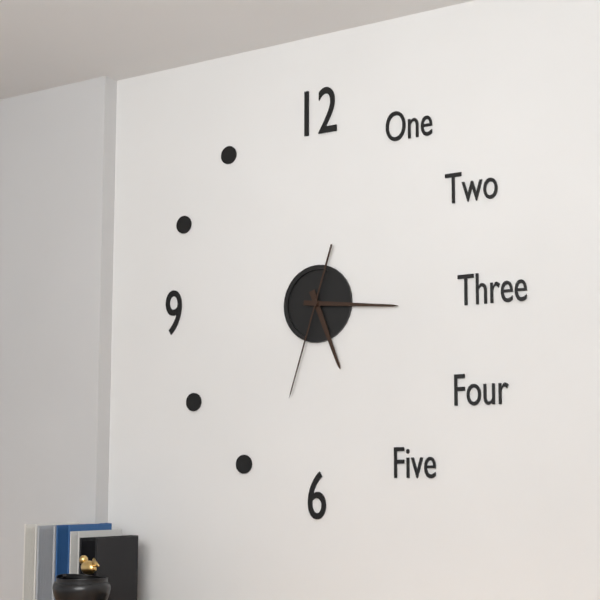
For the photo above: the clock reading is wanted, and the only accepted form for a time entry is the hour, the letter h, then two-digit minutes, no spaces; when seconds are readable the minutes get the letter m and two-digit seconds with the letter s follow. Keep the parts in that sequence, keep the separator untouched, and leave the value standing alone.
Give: 5h16m33s
